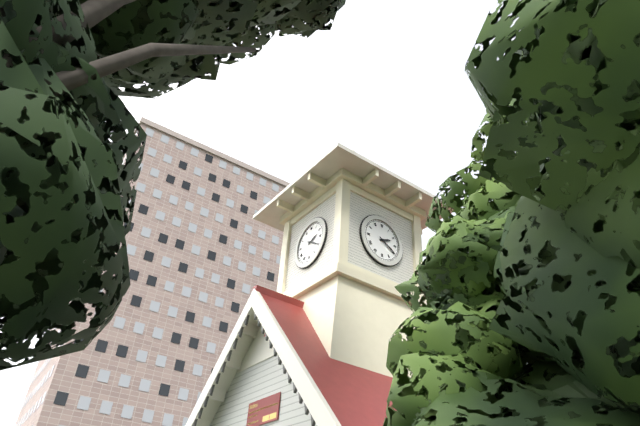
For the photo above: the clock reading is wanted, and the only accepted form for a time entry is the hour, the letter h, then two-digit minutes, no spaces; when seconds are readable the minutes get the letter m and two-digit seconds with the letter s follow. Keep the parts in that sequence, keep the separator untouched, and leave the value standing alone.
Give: 2h20
